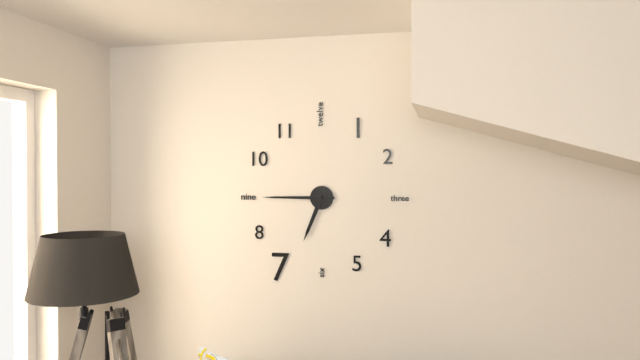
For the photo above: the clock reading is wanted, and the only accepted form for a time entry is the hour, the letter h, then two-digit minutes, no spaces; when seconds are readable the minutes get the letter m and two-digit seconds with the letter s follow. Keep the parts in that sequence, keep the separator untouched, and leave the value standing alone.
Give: 6h45
